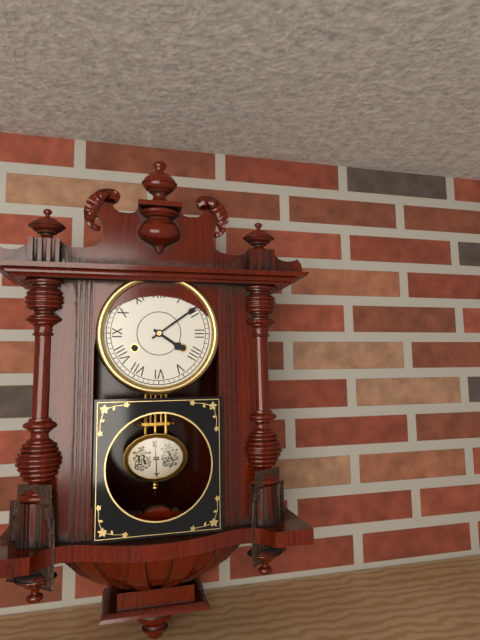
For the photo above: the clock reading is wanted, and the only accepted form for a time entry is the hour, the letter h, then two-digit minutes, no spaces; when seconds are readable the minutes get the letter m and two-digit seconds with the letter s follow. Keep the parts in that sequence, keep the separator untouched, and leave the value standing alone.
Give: 4h09
